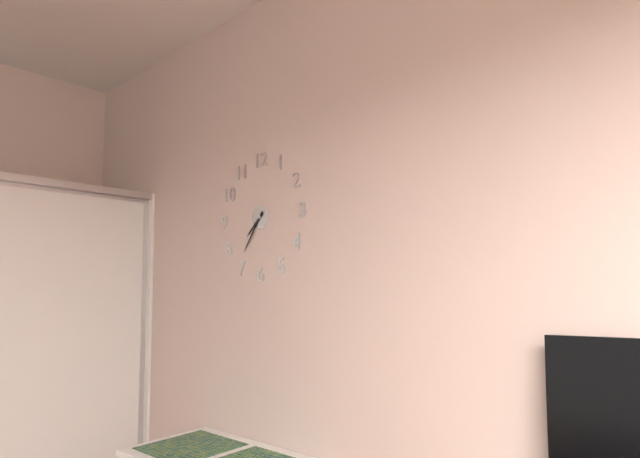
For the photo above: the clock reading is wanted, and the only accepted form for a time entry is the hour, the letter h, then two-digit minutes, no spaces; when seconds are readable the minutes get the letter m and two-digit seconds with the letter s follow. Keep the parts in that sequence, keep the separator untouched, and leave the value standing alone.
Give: 7h36
